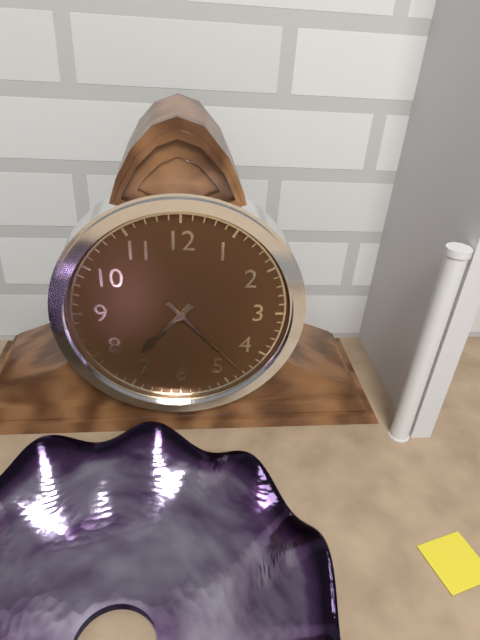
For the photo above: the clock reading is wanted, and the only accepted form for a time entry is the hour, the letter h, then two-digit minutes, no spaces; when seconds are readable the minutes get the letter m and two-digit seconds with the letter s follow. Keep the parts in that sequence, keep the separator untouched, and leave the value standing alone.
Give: 7h23
